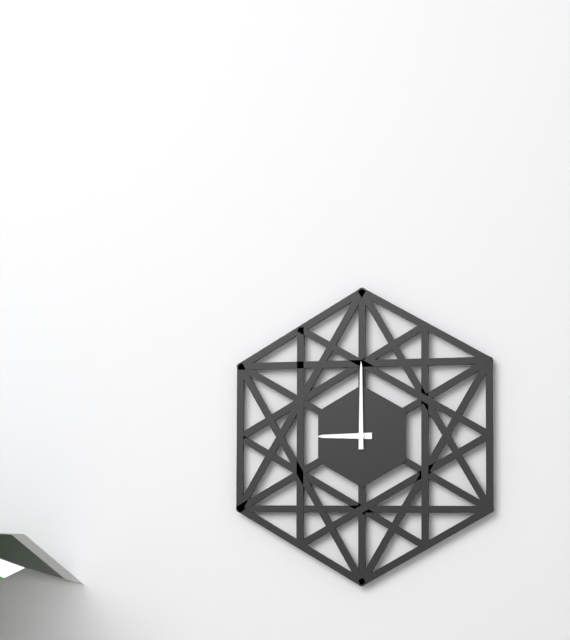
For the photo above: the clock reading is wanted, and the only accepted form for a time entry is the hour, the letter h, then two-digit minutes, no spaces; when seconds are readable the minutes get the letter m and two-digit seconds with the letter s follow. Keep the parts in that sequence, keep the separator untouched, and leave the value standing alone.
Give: 9h00
